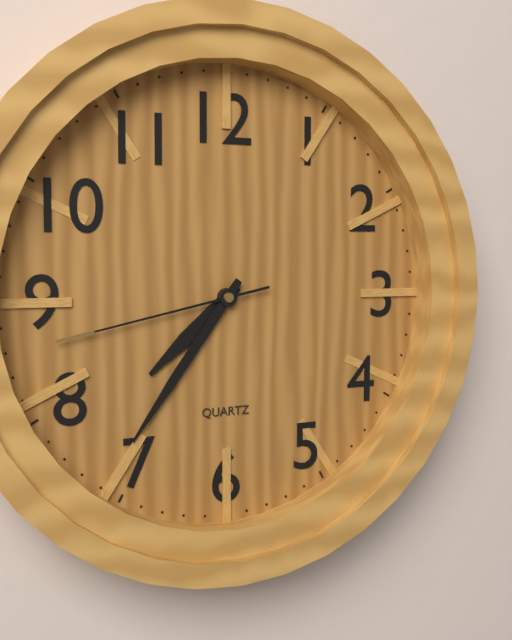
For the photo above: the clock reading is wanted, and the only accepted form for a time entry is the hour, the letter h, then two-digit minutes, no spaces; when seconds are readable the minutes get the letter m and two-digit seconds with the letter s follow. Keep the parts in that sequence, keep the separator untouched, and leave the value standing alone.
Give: 7h36m43s
